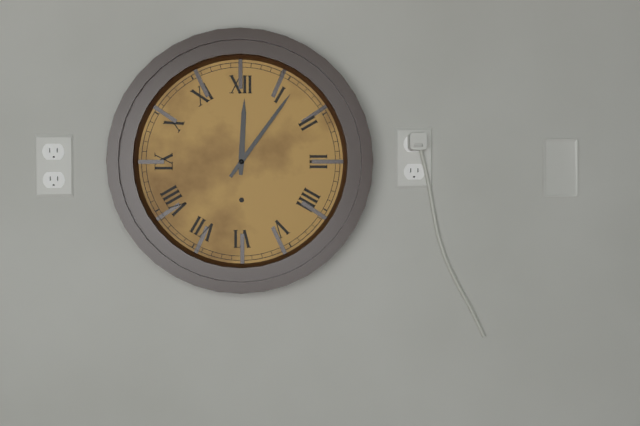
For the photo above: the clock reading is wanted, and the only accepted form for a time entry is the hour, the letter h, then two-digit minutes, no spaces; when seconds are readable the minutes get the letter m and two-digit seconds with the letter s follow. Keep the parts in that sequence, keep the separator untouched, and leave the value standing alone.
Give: 12h06
